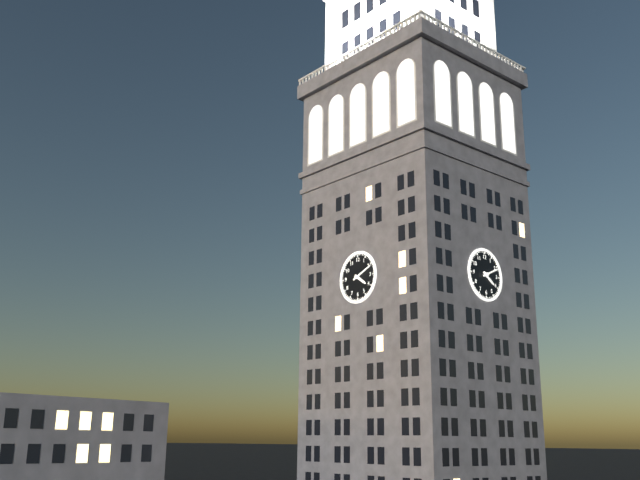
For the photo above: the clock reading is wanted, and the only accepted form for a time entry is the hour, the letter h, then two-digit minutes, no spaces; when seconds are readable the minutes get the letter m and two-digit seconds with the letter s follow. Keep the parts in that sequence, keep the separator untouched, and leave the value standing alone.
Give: 4h11
